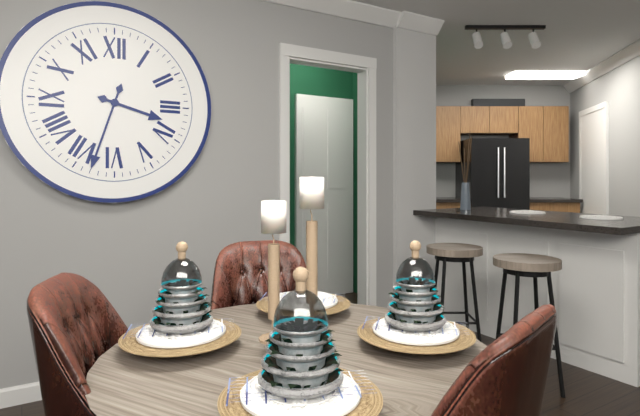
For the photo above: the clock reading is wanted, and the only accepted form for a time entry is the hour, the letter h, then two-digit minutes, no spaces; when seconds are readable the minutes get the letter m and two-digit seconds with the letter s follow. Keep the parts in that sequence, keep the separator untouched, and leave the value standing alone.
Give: 3h33
